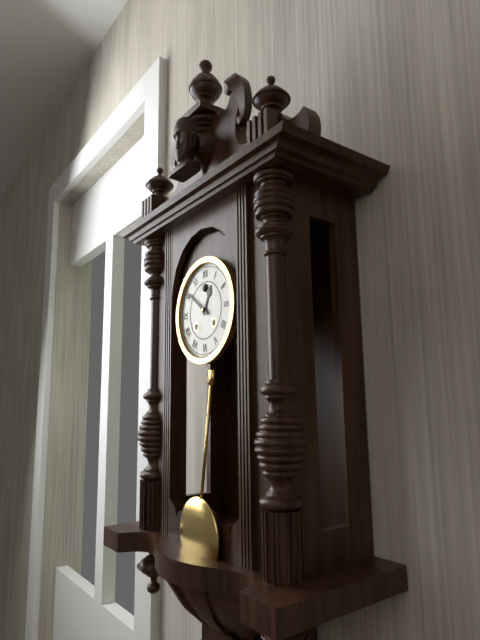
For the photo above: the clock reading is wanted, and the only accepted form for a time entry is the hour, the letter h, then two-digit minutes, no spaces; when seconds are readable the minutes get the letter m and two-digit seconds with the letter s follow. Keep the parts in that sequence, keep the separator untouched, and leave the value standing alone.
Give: 12h51
